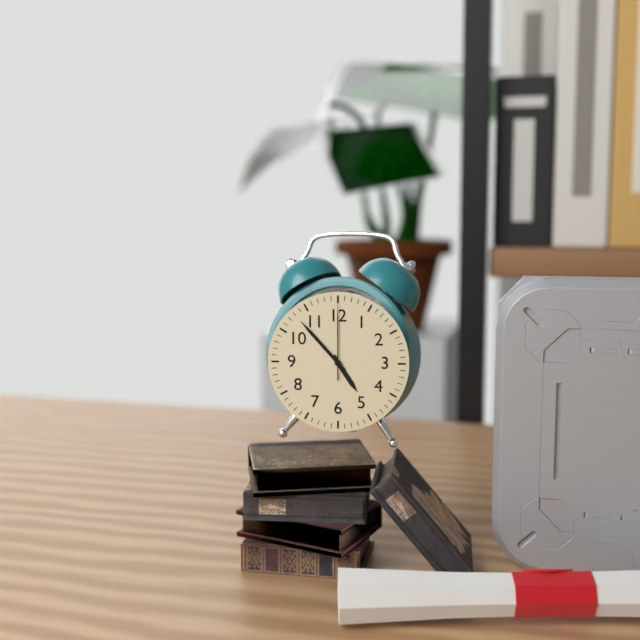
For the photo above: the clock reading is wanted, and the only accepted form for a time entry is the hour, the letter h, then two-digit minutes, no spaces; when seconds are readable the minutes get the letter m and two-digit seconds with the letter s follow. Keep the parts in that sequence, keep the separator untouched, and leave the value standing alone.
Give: 4h53m00s
